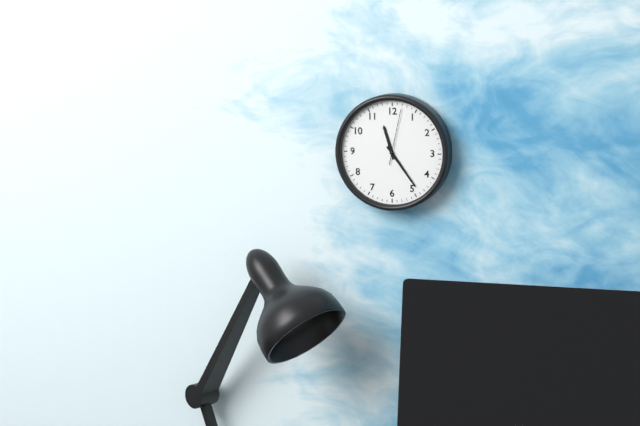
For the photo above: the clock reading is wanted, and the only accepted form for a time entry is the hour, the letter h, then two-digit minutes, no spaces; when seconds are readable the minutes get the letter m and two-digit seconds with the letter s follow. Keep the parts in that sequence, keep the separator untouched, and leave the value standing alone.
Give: 11h24m02s
